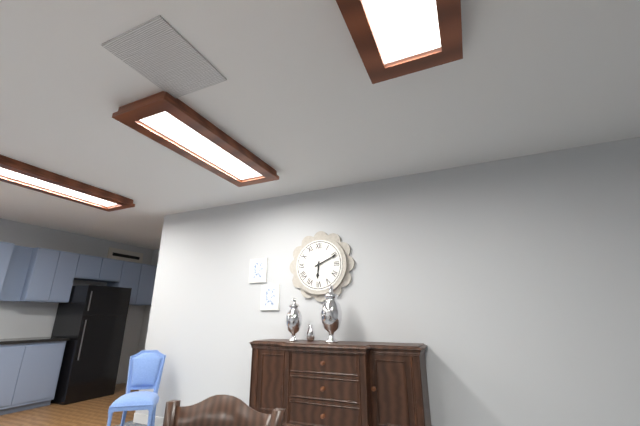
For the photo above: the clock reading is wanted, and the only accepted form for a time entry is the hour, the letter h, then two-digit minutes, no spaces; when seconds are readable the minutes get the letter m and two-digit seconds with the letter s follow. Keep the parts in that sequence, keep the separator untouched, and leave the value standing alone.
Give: 6h11
